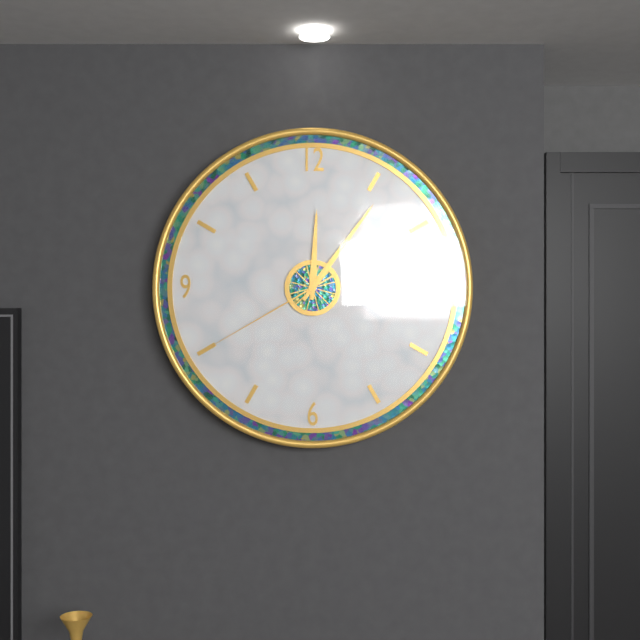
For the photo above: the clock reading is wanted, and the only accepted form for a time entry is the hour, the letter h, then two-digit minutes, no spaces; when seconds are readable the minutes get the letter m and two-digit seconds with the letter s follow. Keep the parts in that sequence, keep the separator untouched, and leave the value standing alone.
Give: 12h06m40s
